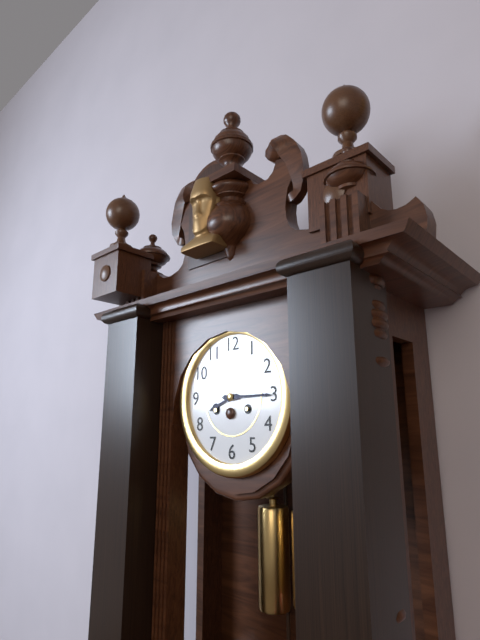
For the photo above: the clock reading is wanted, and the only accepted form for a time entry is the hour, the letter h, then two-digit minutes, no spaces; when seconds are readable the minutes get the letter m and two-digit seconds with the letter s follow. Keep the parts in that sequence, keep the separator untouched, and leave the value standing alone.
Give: 8h15
